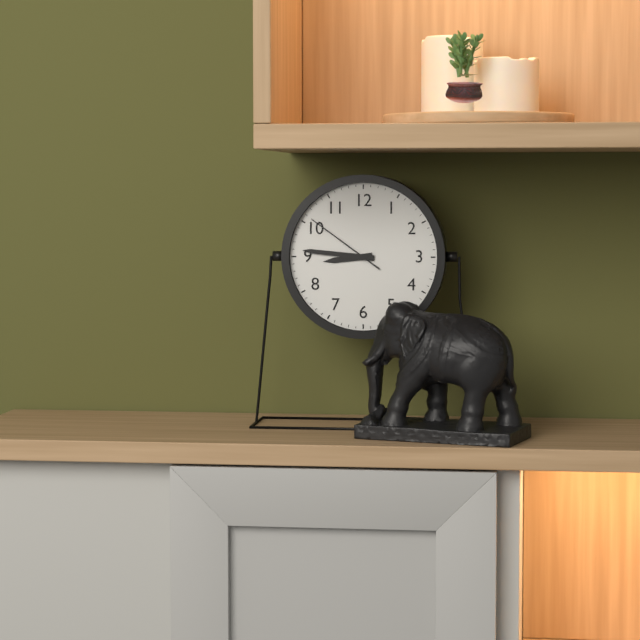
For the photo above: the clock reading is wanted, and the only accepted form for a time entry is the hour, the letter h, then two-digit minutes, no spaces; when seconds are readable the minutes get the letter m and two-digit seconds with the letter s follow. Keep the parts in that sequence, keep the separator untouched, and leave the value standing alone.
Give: 8h46m51s
